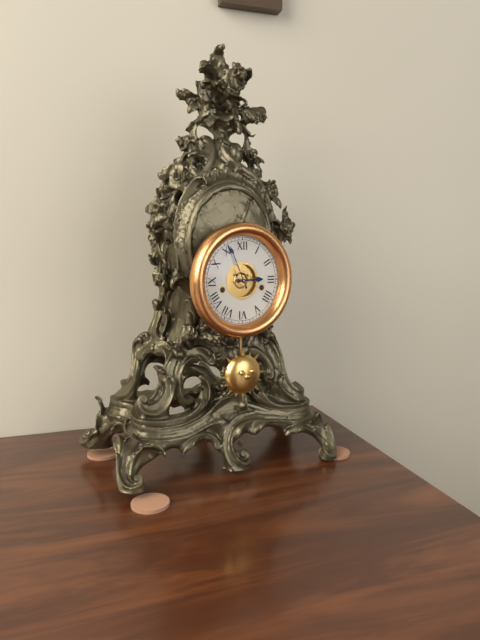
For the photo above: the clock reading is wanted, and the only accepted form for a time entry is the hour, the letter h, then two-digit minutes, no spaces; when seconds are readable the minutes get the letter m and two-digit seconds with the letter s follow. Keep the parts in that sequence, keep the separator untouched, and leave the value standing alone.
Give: 2h56
